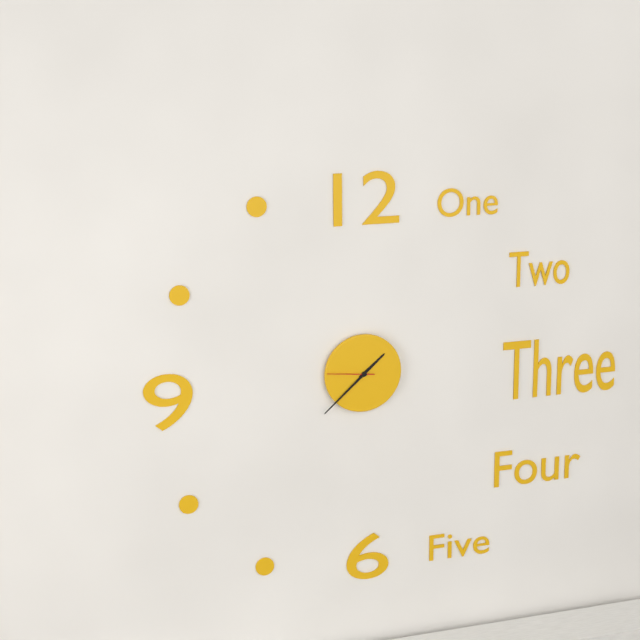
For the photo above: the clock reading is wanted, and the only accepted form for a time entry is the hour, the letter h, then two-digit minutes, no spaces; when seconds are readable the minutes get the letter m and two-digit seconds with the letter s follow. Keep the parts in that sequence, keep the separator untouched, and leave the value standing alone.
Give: 1h38
